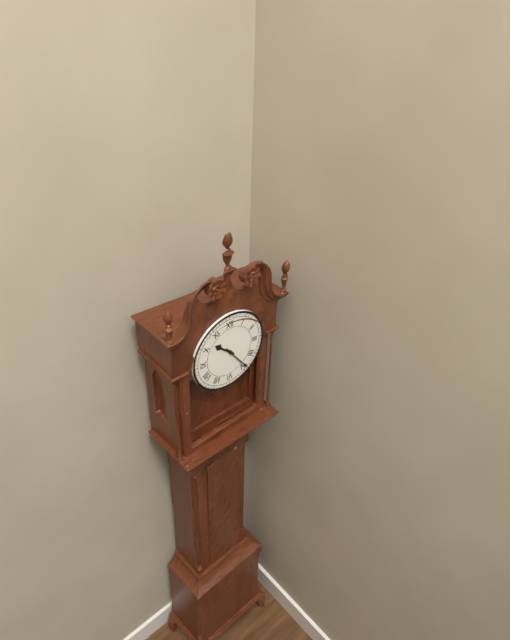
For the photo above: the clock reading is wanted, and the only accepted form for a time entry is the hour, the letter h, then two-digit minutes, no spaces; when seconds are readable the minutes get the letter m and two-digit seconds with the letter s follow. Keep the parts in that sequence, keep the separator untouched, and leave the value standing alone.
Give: 10h24
